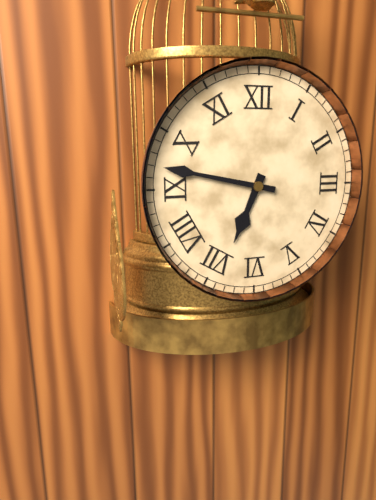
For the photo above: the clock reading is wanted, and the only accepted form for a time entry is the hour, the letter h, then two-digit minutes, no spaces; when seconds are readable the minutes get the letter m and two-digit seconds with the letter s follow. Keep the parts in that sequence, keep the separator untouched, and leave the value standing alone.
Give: 6h47
